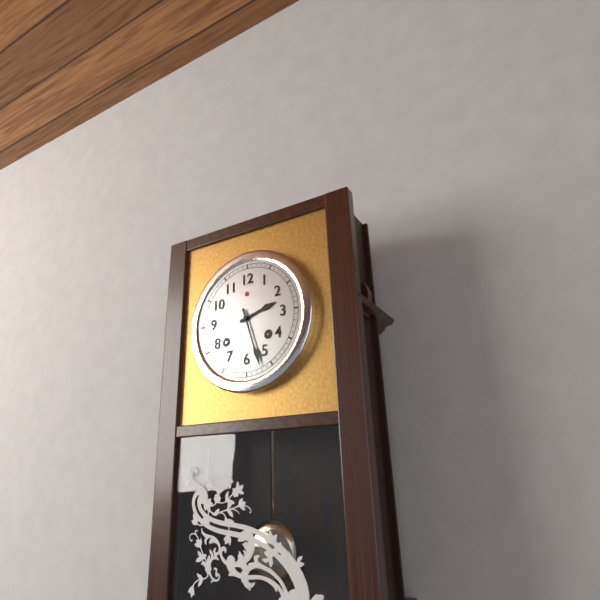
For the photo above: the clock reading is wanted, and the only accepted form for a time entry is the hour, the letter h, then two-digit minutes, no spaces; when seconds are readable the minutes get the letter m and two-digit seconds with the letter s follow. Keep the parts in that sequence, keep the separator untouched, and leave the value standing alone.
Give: 2h27
